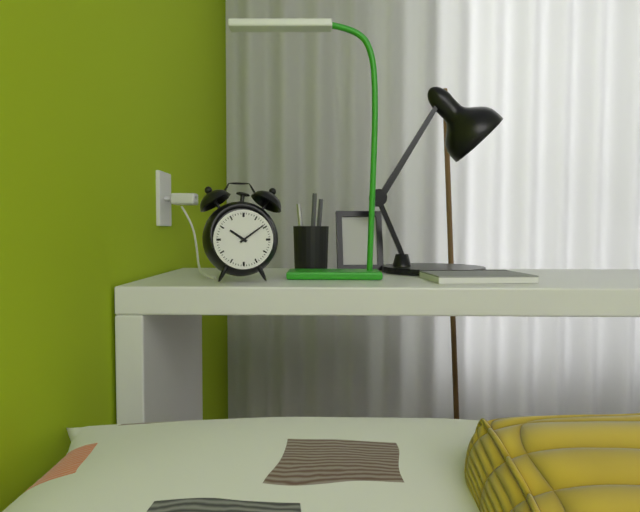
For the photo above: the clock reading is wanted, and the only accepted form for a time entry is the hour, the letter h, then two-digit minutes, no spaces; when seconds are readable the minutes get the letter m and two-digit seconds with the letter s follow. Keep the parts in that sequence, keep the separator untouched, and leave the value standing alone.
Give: 10h09
